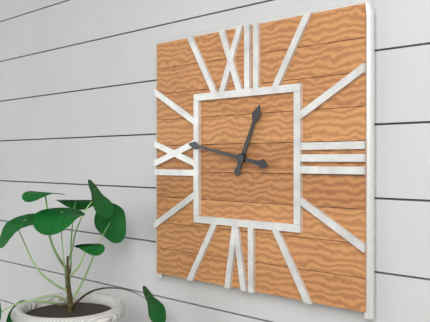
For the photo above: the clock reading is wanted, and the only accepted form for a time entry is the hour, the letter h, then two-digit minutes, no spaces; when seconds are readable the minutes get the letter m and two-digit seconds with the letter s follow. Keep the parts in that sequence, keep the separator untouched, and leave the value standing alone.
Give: 12h47
